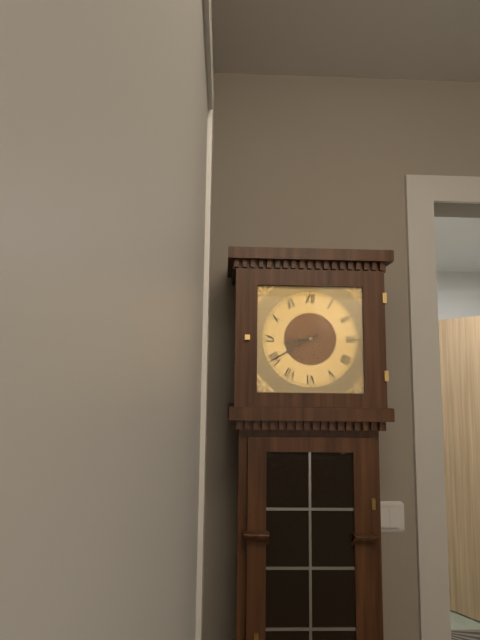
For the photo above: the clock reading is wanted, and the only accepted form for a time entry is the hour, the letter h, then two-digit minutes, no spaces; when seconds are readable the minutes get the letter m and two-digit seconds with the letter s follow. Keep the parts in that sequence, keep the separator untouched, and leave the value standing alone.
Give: 8h40
